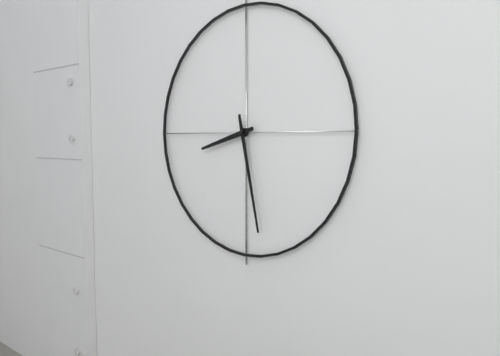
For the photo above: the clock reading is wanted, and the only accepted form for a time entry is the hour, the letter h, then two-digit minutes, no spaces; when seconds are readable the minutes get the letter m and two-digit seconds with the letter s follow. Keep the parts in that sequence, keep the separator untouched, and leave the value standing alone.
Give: 8h28
